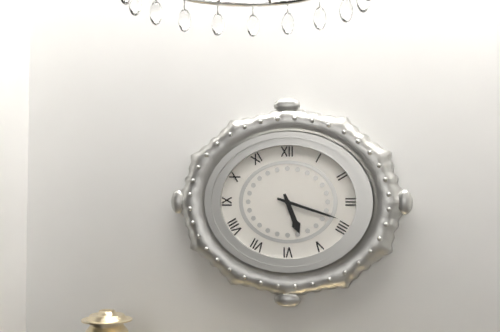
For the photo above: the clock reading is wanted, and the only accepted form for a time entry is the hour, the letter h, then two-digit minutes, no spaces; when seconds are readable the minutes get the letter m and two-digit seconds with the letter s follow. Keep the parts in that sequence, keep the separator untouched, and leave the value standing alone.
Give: 5h18
